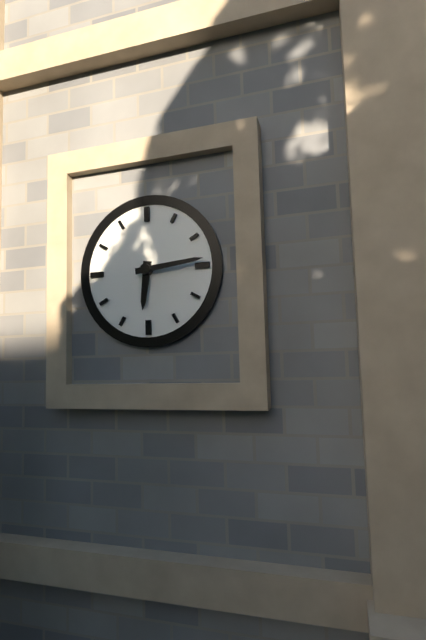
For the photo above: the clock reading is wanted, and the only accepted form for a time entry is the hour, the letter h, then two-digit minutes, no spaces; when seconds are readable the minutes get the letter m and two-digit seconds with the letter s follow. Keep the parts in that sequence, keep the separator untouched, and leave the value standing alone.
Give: 6h14
